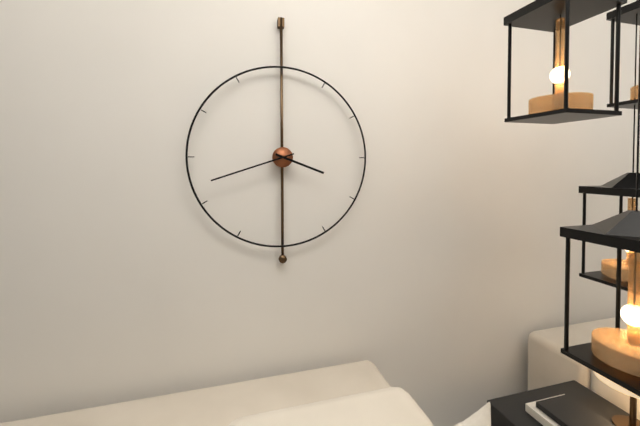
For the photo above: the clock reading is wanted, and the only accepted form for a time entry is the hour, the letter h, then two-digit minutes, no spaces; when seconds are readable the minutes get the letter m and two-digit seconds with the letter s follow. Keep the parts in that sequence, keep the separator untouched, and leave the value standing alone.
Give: 3h42
